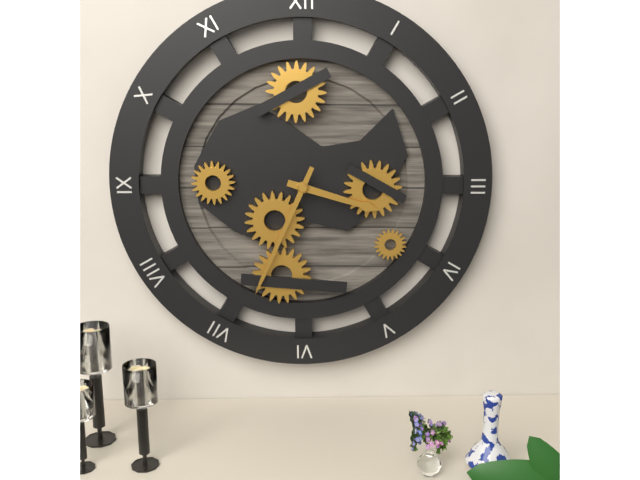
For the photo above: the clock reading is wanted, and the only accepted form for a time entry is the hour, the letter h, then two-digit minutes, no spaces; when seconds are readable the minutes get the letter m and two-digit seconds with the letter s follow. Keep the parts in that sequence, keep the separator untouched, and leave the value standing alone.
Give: 3h34
